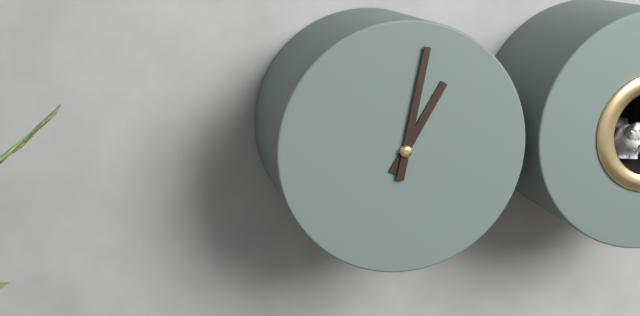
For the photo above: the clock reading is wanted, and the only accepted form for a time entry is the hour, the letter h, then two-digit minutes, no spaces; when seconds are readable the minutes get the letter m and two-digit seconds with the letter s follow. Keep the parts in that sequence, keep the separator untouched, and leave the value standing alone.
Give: 1h02
